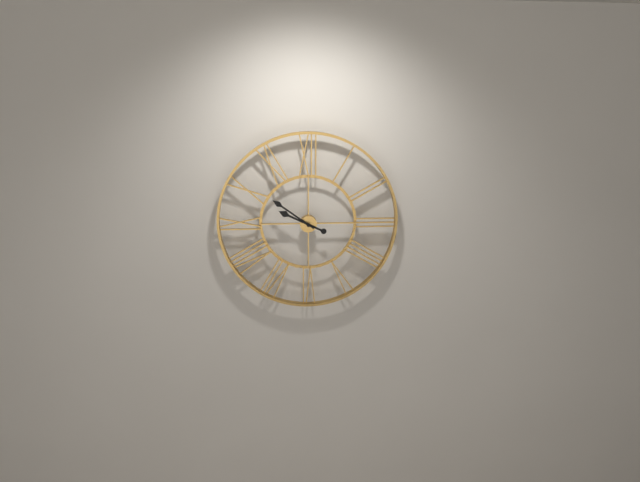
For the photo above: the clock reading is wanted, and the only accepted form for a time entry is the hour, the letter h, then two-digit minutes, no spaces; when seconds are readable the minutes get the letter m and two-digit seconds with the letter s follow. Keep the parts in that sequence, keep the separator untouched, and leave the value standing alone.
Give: 9h51
